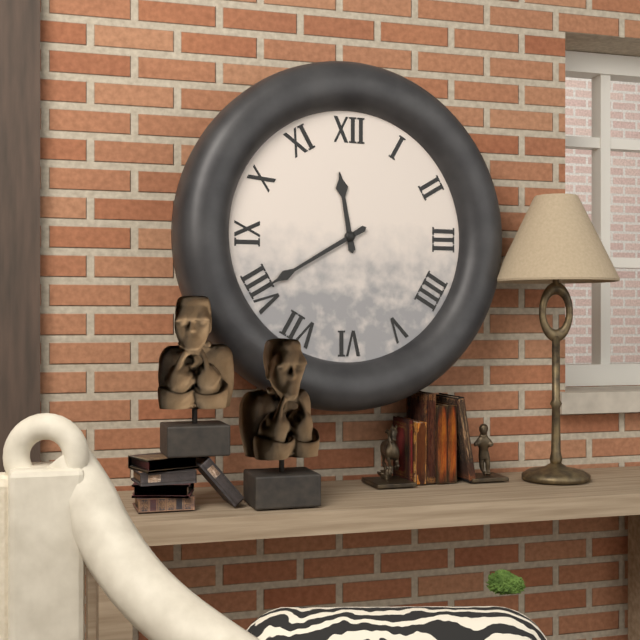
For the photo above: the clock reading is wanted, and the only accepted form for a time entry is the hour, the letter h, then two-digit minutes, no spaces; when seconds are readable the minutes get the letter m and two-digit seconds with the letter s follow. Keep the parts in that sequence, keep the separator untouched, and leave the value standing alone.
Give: 11h40
